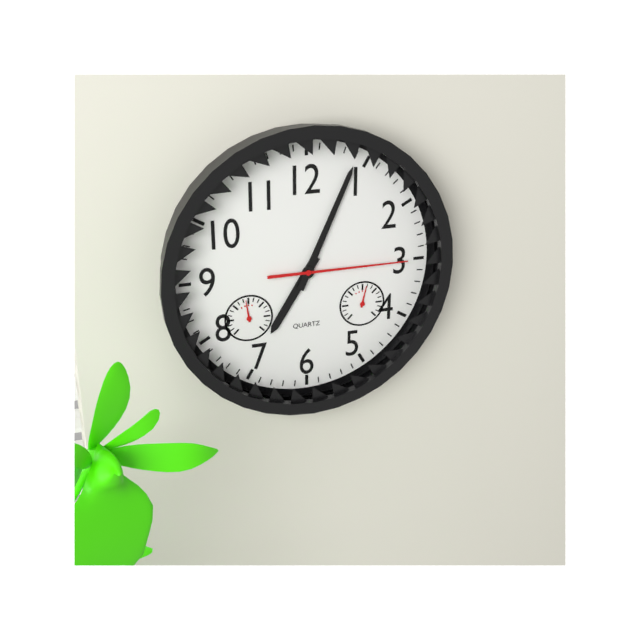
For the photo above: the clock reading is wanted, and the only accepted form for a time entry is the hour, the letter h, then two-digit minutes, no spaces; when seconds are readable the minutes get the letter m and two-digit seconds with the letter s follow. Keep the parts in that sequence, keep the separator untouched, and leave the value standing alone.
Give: 7h04m15s
